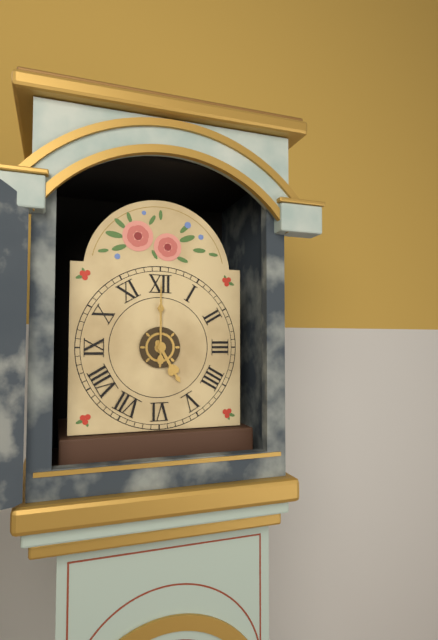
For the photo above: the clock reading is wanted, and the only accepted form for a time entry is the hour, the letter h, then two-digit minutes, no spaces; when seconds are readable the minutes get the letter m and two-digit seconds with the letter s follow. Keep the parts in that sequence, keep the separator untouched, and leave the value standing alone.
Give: 5h00
